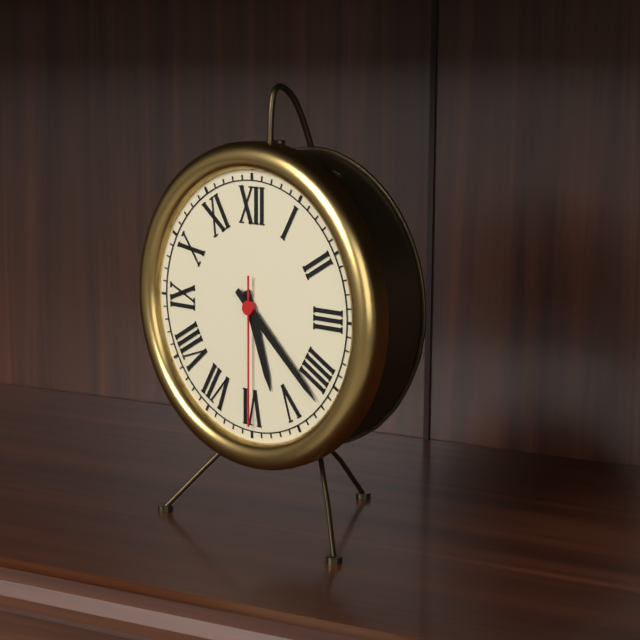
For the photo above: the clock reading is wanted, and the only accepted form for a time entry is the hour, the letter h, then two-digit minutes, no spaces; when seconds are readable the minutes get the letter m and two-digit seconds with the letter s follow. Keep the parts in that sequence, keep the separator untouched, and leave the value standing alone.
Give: 5h22m30s
